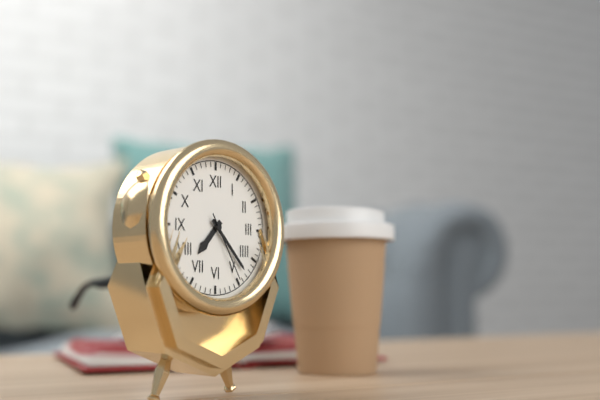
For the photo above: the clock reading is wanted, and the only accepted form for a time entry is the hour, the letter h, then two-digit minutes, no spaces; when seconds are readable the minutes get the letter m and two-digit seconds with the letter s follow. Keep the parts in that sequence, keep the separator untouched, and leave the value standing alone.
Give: 7h23m25s
